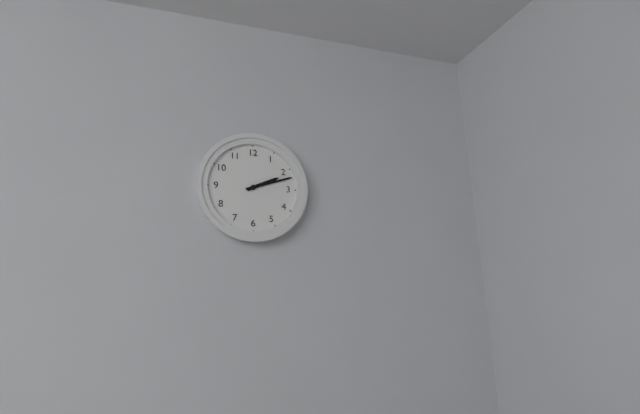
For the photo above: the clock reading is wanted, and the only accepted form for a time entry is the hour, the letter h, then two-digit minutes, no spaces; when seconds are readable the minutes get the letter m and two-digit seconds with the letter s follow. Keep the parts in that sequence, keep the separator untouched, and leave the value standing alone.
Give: 2h12
